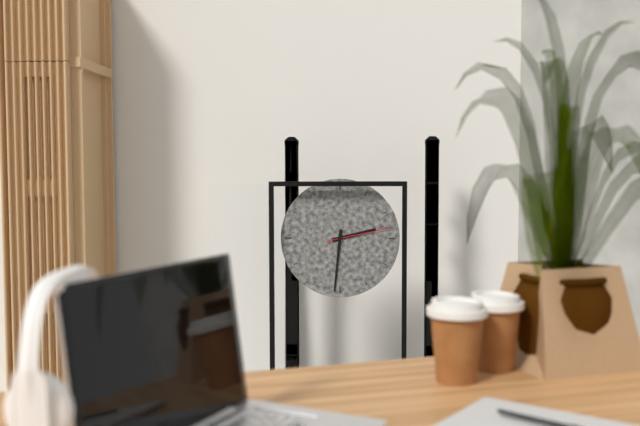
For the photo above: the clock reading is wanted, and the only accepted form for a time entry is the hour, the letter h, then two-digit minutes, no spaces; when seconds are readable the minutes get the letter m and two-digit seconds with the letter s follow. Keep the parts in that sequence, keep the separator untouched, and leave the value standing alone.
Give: 2h31m13s
